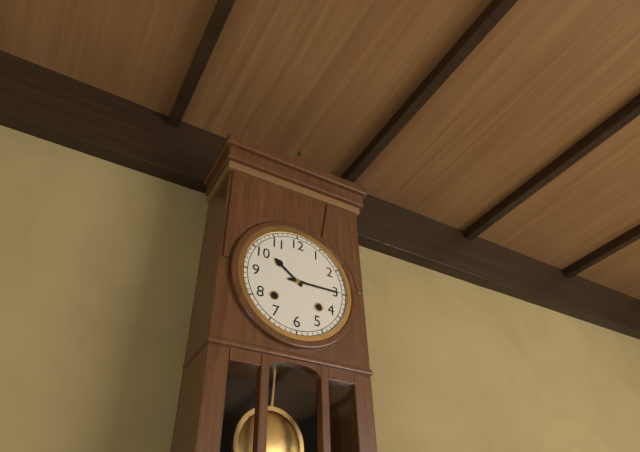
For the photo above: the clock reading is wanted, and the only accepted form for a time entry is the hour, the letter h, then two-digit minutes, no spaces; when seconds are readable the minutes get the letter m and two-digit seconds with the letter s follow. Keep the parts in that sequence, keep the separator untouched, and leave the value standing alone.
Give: 10h15
